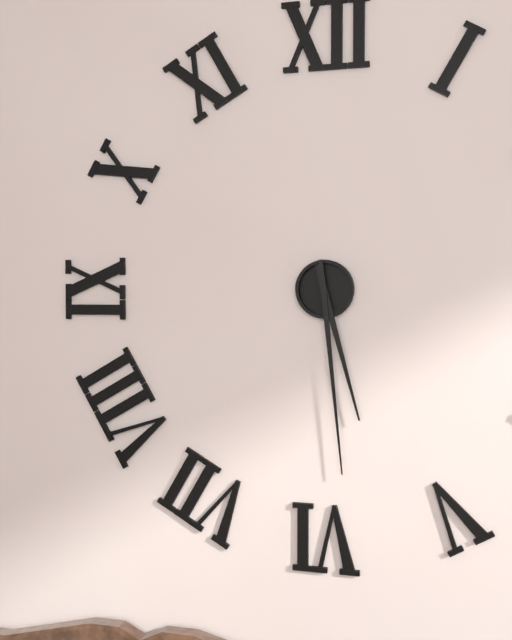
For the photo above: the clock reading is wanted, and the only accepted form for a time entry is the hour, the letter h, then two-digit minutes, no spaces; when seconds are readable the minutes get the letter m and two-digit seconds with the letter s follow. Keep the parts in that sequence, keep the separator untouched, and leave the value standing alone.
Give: 5h29
